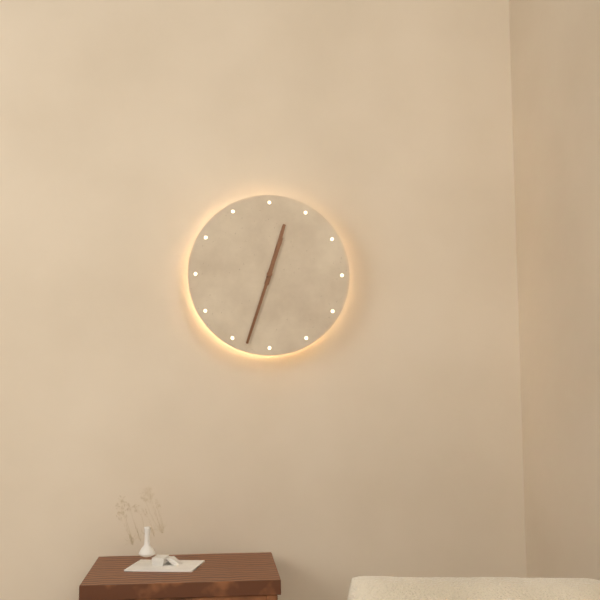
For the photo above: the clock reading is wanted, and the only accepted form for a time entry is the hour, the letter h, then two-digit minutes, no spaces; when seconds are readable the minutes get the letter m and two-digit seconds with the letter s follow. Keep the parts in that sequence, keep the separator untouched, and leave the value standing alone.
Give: 12h33
